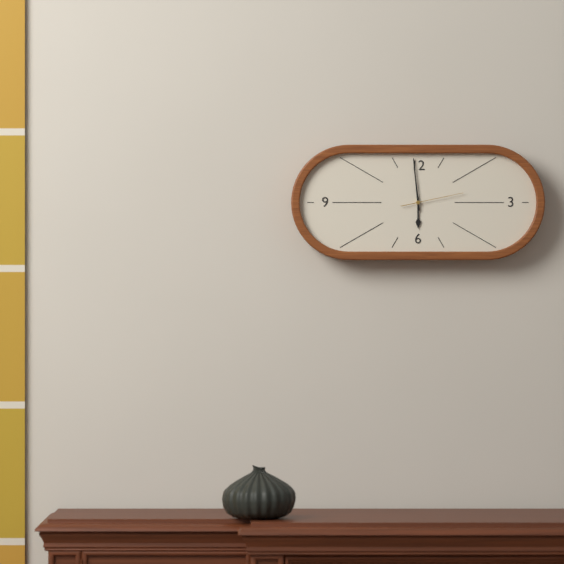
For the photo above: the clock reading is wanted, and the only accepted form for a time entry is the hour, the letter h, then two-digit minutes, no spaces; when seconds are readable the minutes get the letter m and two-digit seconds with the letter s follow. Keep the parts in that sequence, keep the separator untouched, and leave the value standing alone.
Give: 5h59m13s
